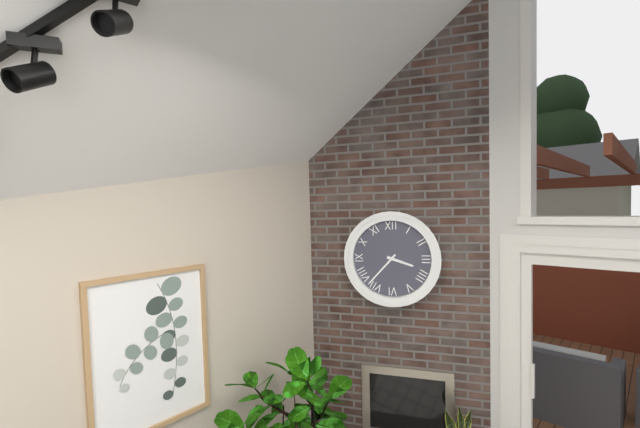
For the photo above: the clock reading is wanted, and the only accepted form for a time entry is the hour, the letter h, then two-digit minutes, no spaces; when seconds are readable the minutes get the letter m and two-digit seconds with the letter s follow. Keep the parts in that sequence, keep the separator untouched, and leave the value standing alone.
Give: 3h37
